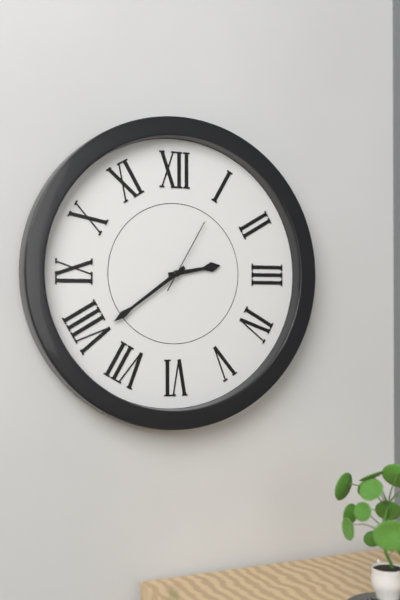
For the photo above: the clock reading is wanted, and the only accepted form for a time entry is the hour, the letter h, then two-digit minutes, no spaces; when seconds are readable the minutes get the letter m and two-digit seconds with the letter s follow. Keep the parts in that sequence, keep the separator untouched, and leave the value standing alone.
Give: 2h39m05s
